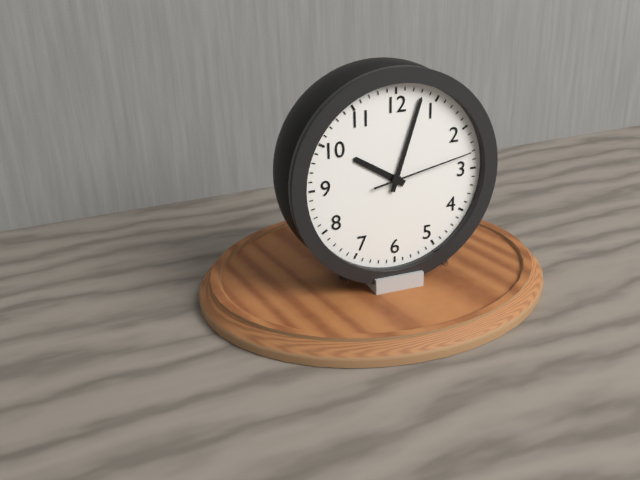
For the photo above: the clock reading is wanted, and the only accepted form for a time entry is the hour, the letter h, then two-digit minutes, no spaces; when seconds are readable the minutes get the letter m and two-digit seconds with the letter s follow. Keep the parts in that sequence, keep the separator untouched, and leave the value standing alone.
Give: 10h03m13s
